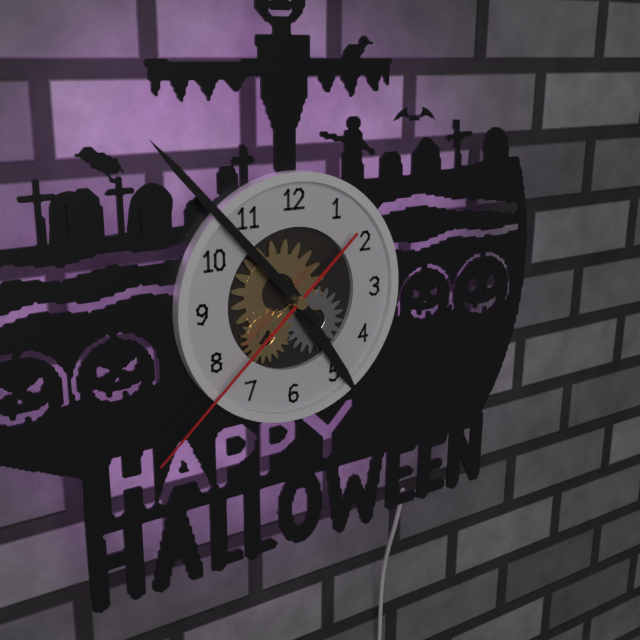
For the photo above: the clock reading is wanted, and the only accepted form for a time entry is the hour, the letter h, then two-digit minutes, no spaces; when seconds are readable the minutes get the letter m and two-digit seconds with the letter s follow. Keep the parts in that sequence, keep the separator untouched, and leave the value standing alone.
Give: 4h53m38s
